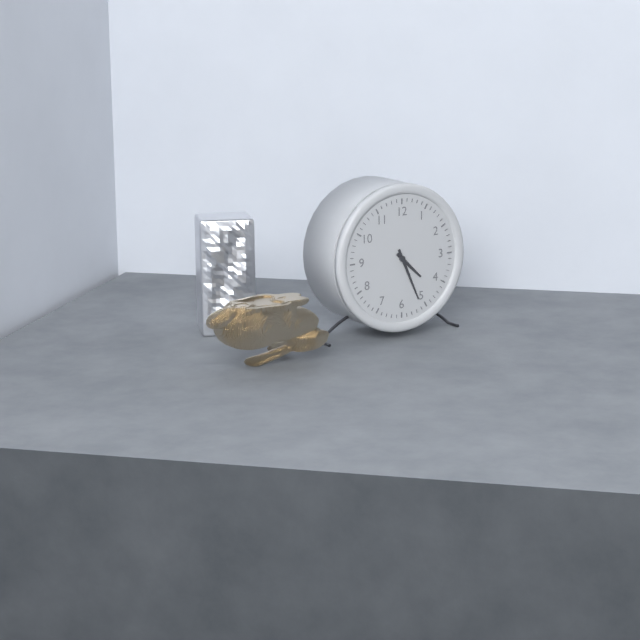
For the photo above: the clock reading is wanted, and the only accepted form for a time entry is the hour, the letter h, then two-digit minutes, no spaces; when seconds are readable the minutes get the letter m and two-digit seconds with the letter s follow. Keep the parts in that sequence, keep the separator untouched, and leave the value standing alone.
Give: 4h26
